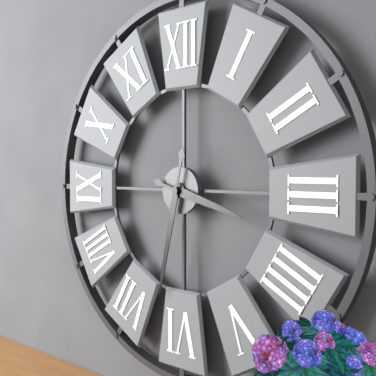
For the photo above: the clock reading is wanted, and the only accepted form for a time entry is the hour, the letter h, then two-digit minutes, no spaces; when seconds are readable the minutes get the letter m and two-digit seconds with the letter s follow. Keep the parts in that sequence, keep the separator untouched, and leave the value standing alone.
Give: 3h32
